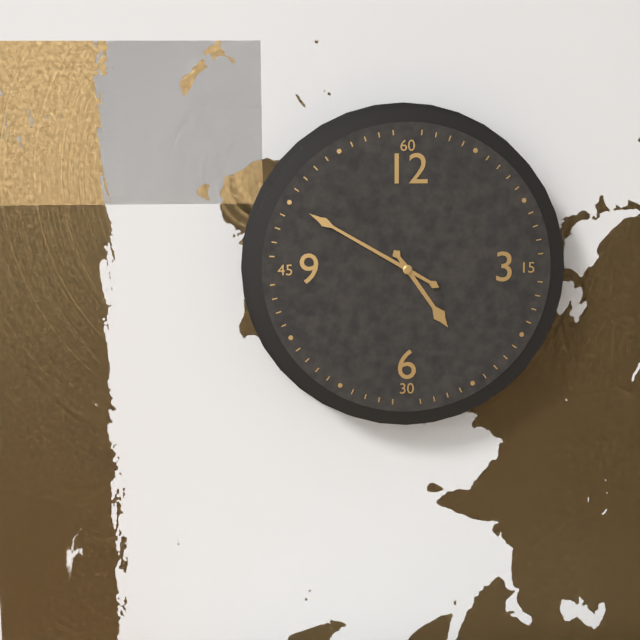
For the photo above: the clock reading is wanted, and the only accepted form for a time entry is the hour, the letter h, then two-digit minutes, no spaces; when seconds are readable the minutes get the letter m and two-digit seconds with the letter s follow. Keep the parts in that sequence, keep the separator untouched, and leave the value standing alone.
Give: 4h50
